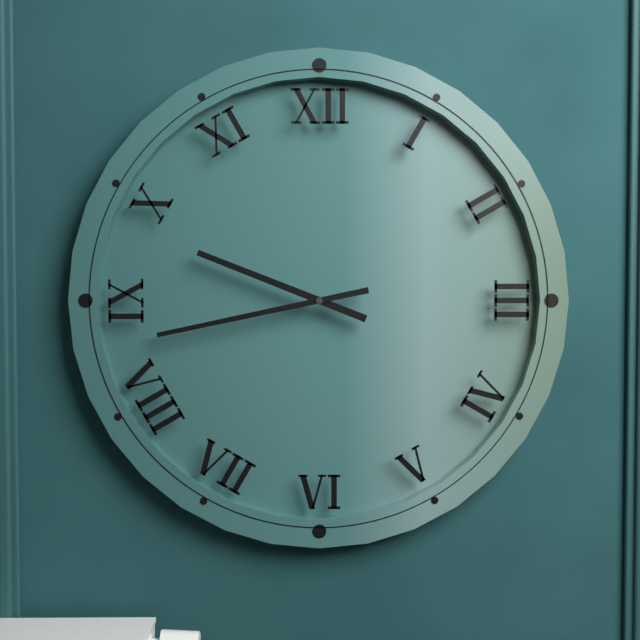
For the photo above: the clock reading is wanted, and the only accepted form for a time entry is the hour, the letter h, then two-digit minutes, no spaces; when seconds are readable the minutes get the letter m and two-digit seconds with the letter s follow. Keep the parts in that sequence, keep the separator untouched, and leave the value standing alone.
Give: 9h43
